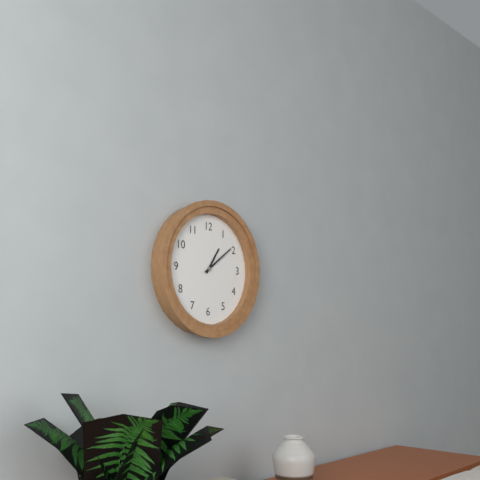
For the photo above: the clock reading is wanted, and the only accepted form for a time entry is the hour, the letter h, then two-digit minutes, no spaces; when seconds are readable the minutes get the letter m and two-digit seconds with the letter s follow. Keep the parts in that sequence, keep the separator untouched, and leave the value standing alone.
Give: 1h09
